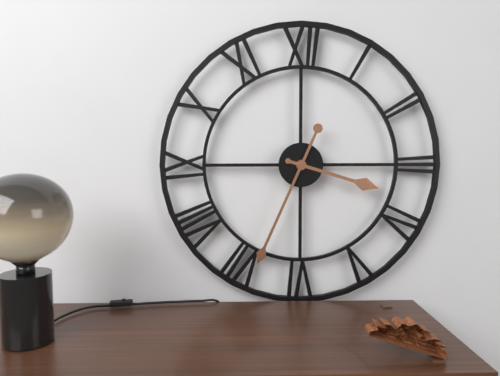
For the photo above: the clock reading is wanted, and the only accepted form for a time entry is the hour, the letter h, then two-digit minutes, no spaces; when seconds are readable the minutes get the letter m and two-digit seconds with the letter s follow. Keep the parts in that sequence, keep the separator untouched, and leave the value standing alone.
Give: 3h34
